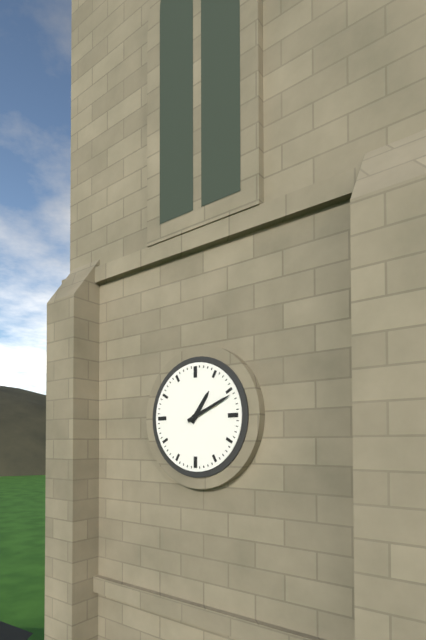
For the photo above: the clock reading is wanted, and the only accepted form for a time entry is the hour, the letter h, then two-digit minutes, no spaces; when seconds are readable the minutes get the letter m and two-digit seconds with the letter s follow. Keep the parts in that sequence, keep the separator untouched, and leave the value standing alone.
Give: 1h11
